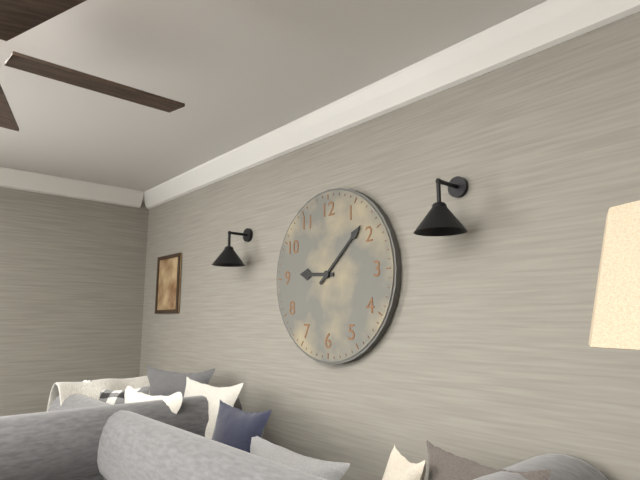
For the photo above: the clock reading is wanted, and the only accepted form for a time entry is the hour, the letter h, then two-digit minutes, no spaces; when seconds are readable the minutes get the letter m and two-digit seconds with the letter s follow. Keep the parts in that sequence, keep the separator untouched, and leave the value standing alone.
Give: 9h08
